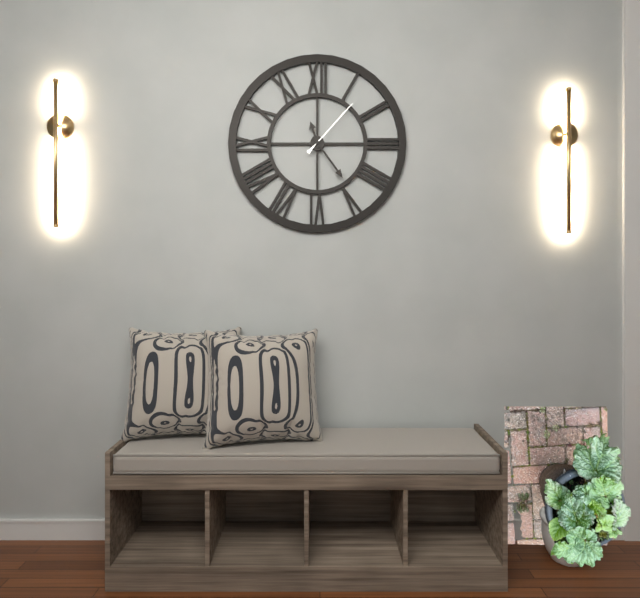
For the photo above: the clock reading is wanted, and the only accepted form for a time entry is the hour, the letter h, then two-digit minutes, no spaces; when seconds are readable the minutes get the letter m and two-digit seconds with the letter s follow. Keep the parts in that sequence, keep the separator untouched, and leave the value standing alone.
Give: 11h24m07s
